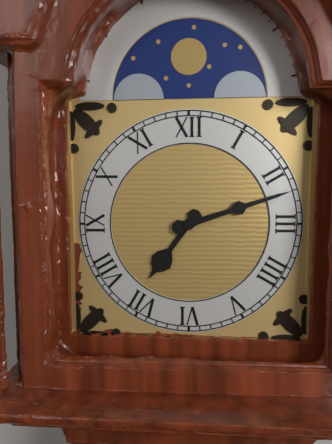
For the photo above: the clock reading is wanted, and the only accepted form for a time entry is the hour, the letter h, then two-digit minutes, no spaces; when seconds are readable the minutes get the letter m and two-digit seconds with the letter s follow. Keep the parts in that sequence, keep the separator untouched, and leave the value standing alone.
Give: 7h12
